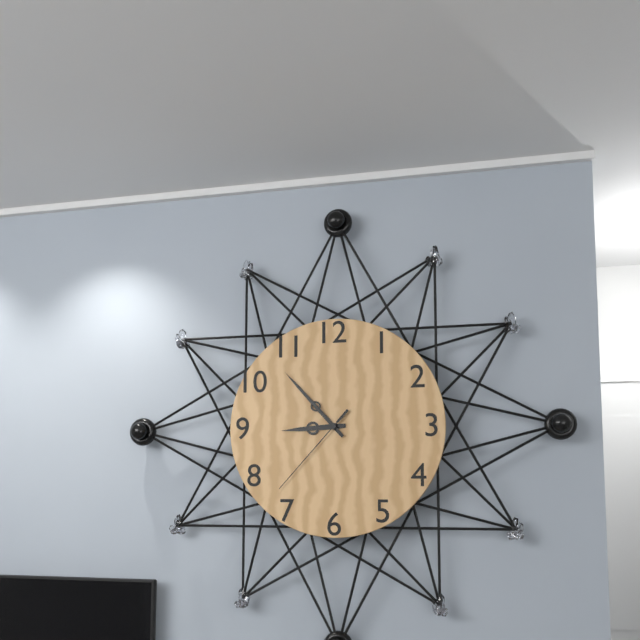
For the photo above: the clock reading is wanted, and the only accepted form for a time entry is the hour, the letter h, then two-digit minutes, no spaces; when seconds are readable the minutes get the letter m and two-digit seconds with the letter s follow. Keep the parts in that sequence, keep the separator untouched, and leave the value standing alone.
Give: 8h53m37s
